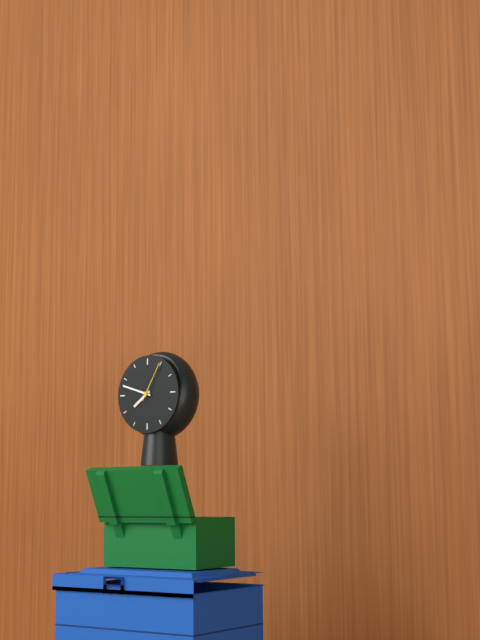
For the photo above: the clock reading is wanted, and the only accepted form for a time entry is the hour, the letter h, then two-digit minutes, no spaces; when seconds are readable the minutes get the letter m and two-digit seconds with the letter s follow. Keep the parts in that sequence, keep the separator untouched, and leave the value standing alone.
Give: 7h48
